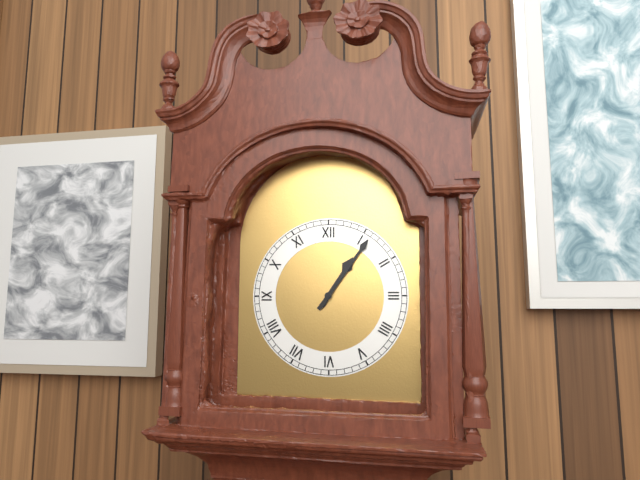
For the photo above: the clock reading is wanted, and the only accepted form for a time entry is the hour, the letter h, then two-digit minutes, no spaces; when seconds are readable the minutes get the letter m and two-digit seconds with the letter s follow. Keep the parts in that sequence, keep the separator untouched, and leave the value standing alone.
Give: 1h06
